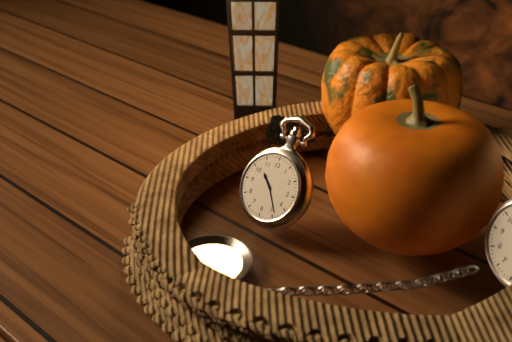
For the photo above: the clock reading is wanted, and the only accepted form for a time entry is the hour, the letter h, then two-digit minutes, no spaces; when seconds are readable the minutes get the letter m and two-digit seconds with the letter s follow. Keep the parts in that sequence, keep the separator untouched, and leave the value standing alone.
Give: 10h24
